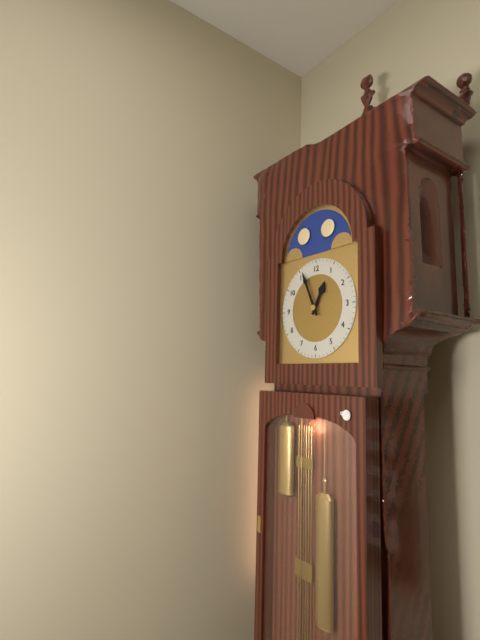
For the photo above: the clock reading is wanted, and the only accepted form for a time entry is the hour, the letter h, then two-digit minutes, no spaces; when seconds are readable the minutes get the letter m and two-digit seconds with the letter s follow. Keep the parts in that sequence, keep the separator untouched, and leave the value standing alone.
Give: 12h56
